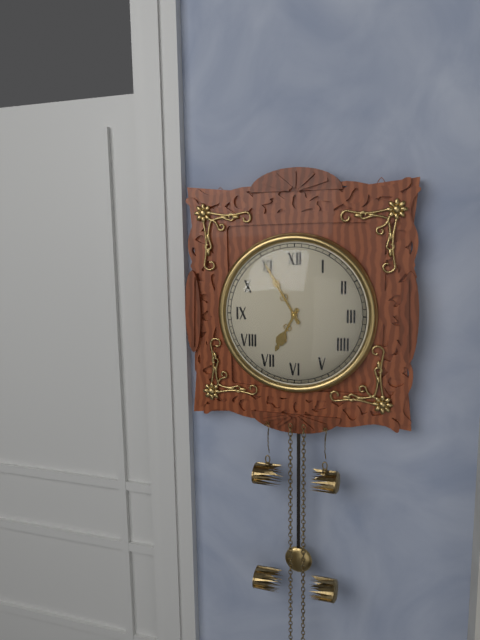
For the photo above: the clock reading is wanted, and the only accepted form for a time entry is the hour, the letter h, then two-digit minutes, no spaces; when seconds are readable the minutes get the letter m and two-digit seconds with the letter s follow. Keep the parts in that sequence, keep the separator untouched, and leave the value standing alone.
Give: 6h55
